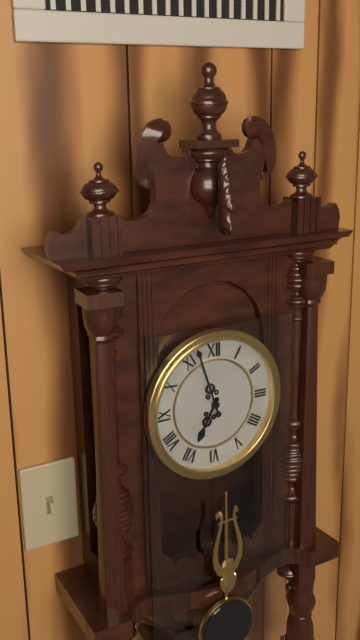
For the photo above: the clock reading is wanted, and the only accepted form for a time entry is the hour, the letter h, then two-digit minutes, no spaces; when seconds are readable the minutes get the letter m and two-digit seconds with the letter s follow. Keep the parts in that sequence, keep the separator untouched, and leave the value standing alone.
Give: 6h57
